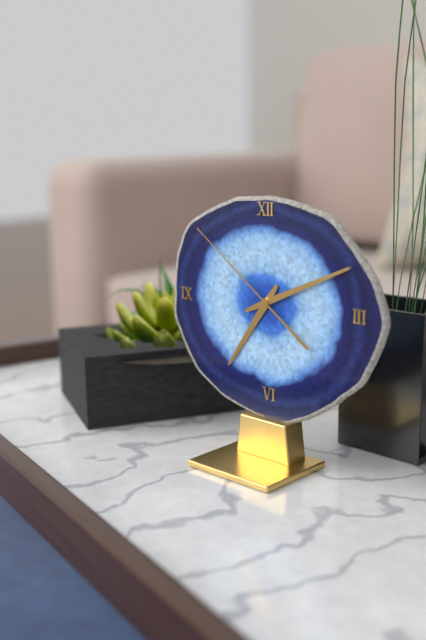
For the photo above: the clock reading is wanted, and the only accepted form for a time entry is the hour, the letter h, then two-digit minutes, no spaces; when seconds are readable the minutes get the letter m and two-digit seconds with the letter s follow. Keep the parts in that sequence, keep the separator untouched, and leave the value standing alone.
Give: 7h11m51s
